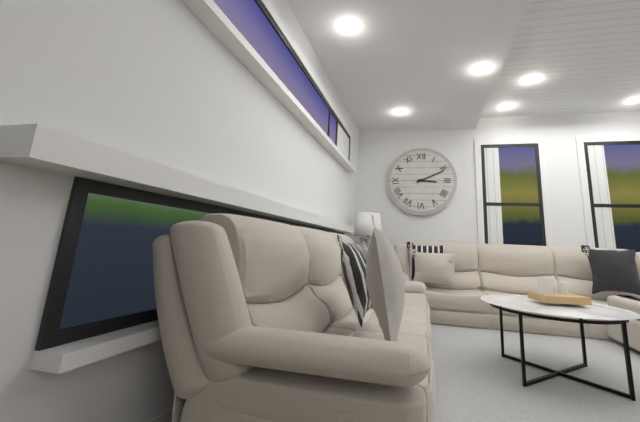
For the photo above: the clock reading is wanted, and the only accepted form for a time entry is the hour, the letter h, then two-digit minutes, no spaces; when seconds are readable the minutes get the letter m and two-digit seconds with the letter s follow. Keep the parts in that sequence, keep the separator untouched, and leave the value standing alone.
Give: 3h11
